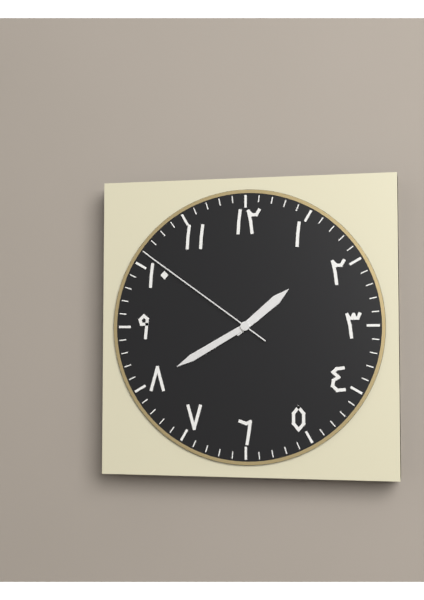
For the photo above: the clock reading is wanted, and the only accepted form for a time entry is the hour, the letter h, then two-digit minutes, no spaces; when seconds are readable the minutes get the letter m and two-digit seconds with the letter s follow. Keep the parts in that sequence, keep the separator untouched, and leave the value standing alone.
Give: 1h40m51s
